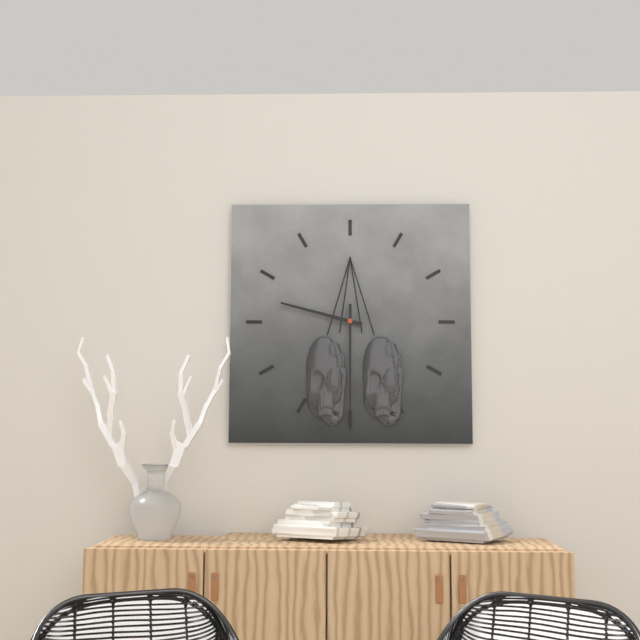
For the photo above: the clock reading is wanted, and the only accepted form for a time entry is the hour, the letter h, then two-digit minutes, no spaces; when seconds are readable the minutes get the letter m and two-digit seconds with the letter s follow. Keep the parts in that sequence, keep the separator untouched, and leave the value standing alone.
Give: 9h30
